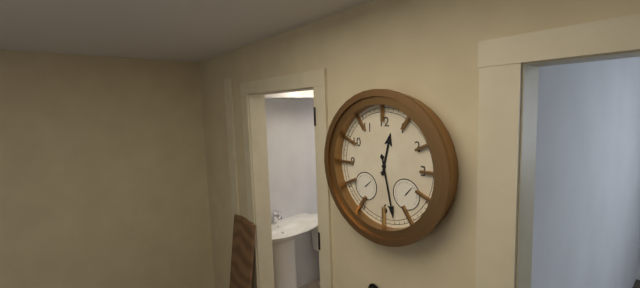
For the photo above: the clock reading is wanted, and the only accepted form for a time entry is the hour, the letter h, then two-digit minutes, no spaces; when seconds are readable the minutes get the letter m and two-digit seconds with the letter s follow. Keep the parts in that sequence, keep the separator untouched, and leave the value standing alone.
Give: 12h28
